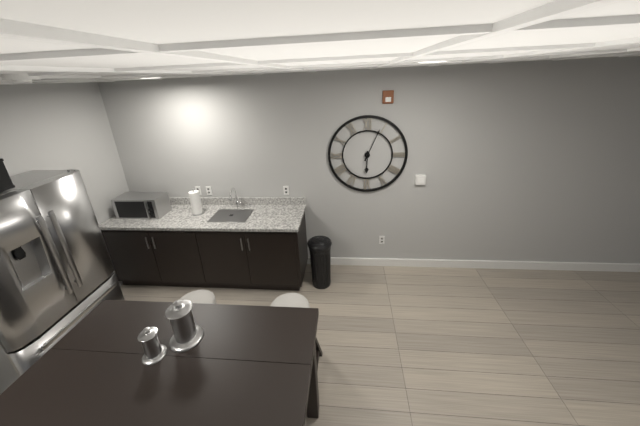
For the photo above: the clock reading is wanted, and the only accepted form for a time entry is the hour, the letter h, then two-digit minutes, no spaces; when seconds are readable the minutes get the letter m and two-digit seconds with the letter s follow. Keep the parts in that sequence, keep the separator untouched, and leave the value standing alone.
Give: 6h04
